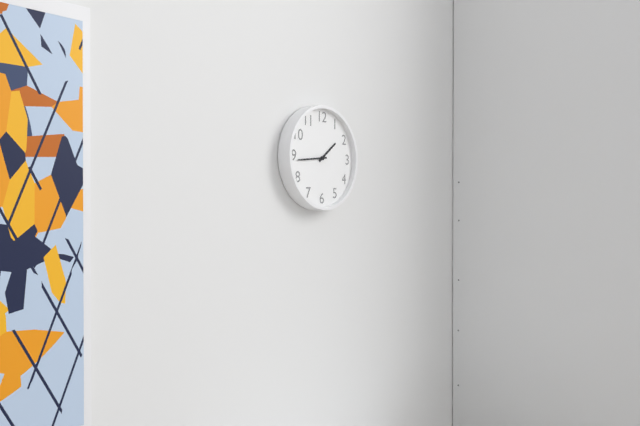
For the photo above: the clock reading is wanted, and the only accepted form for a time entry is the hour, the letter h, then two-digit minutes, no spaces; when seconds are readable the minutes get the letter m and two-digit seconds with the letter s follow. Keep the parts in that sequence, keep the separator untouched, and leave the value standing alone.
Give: 1h44
